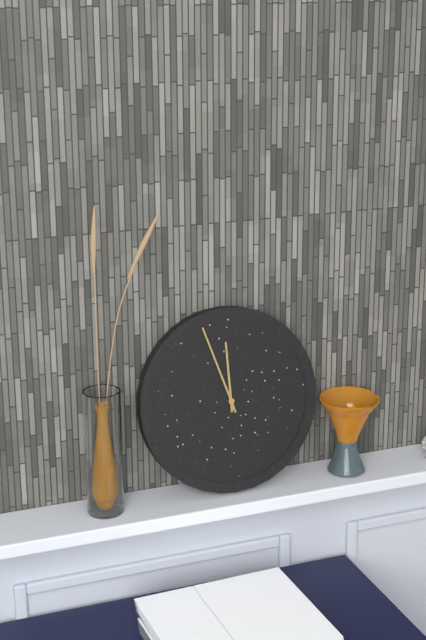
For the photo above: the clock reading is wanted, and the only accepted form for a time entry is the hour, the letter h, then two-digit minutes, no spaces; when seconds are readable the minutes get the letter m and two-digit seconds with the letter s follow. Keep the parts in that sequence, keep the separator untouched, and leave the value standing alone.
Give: 11h57
